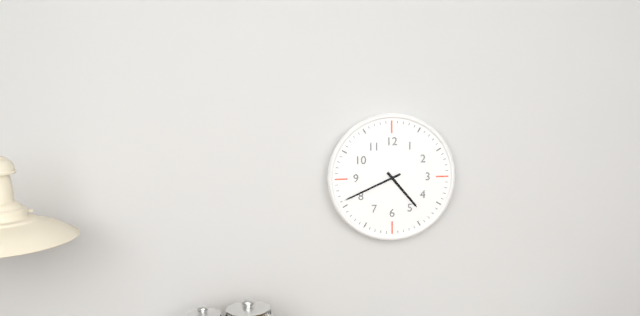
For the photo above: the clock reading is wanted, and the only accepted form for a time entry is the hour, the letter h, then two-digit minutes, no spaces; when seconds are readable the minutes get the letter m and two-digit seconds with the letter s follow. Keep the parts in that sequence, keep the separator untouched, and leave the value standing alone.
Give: 4h41
